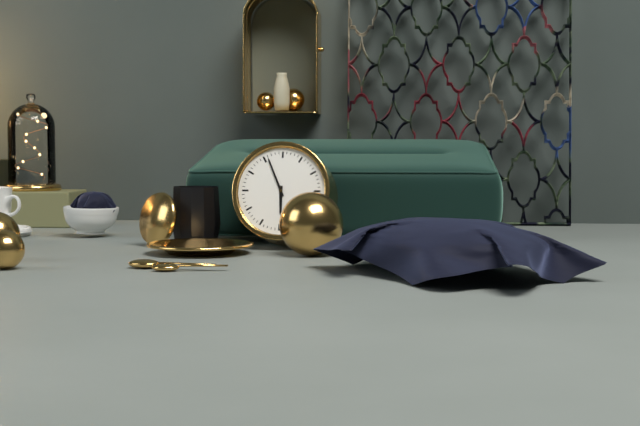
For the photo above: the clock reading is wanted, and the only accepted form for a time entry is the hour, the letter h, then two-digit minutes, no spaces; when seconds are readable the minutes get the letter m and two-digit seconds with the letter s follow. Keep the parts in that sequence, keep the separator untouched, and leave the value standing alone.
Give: 5h56
